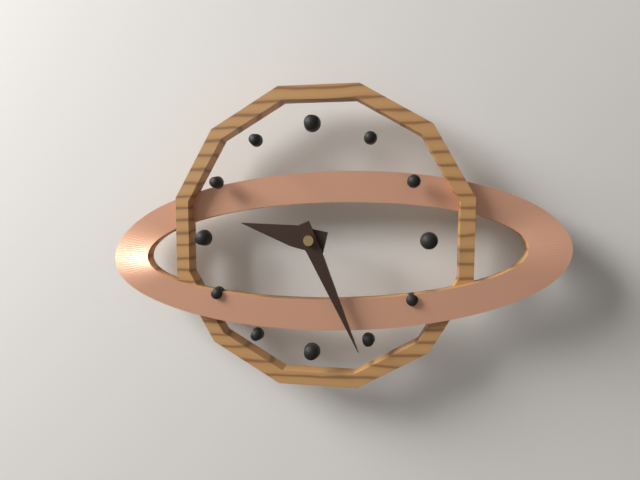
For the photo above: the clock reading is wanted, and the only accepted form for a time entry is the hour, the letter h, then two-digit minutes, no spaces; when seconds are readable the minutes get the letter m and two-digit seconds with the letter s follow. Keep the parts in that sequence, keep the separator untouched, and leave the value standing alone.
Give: 9h26
